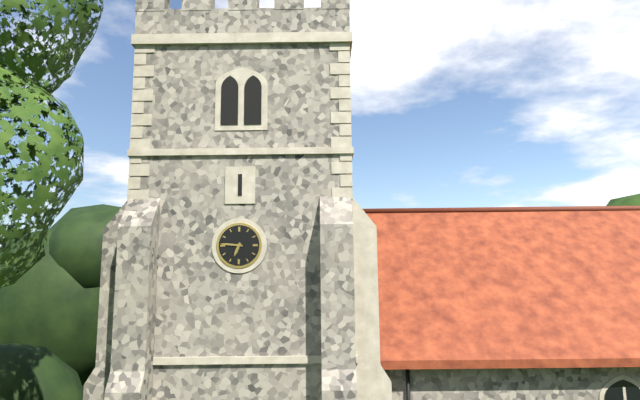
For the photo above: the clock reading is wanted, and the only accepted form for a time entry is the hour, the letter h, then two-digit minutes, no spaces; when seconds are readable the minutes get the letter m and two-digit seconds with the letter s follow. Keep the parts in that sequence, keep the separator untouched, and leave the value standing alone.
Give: 6h46
